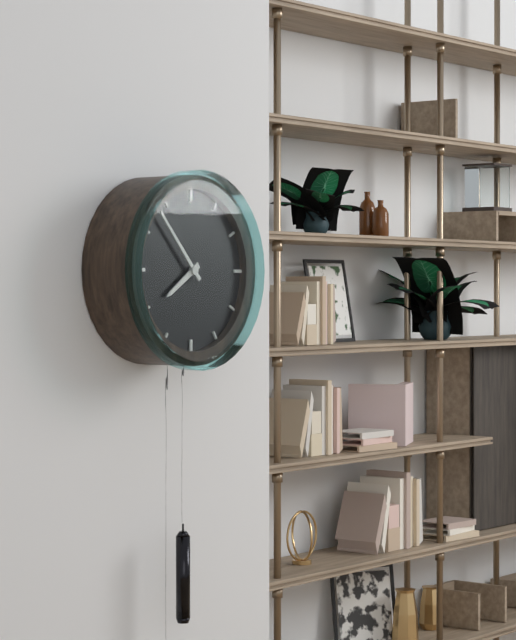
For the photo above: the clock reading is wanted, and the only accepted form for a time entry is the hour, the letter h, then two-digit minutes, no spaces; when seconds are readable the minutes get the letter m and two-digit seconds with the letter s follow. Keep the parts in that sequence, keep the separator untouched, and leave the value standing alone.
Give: 7h53
